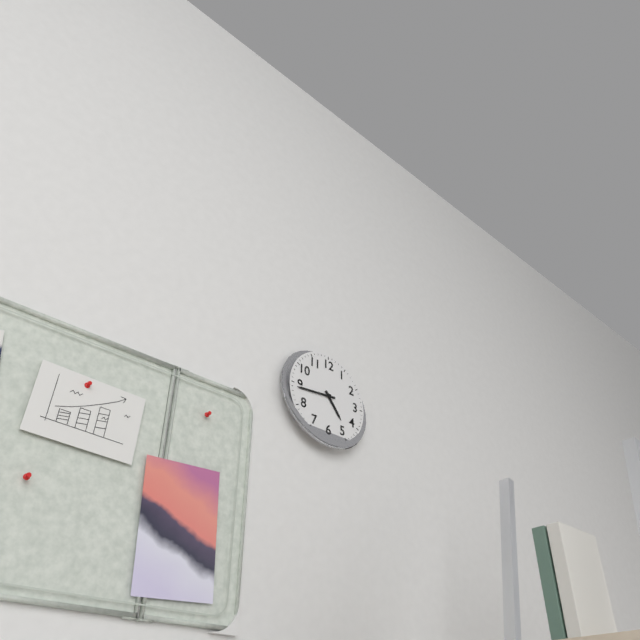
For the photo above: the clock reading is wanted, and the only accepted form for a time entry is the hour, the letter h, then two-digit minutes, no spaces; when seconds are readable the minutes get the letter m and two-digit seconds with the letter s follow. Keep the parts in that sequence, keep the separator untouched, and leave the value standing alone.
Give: 4h44
